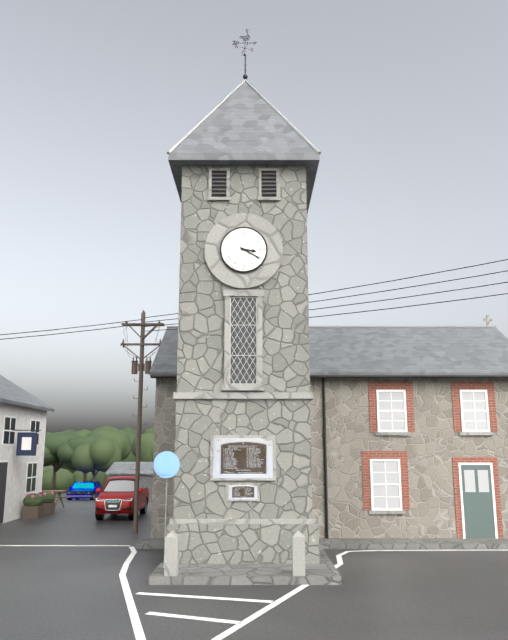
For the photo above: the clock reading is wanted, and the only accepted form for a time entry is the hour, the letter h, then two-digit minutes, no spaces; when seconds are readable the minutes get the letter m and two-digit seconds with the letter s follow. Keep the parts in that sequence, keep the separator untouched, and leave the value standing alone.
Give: 3h20
